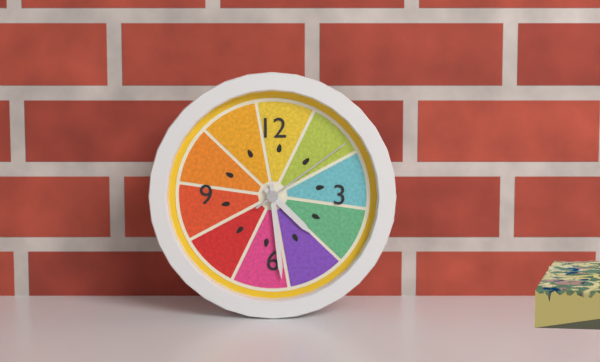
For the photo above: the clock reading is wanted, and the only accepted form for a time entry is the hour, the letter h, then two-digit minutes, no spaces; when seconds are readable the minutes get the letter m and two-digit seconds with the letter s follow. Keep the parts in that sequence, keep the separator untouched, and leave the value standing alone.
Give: 4h29m09s
